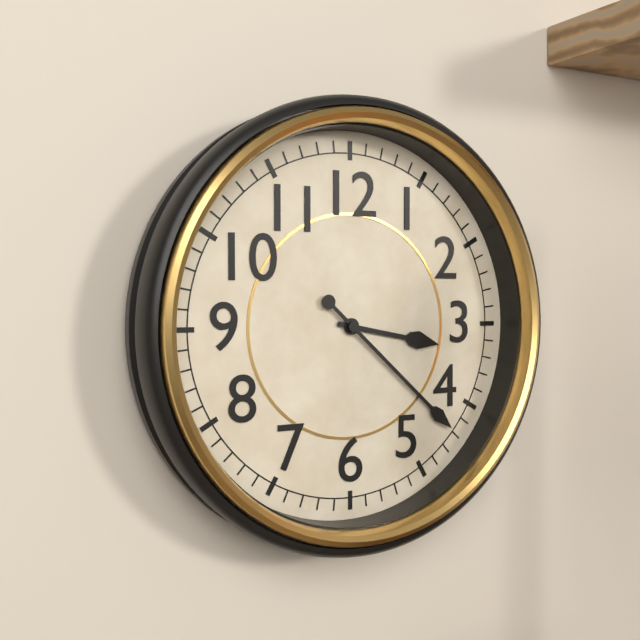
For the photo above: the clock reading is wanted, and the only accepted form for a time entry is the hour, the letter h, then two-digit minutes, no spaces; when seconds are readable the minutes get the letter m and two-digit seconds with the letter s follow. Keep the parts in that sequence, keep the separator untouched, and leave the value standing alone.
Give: 3h22
